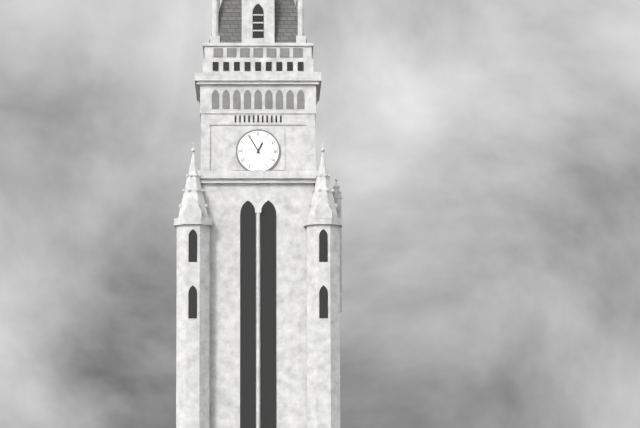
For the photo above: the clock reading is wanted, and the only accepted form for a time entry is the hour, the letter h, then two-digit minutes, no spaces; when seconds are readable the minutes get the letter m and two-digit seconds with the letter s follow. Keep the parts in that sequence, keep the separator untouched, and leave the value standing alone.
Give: 12h55
